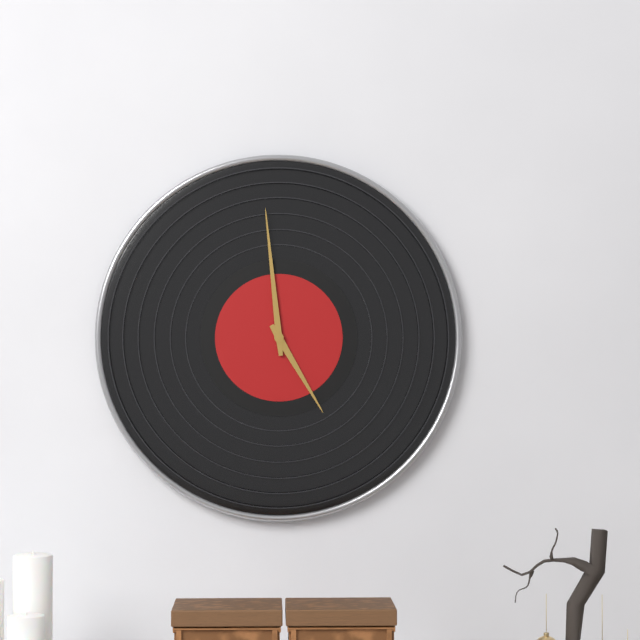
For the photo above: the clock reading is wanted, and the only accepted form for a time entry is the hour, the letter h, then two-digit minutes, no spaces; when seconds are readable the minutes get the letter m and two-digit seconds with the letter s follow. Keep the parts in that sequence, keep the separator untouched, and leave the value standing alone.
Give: 4h59
